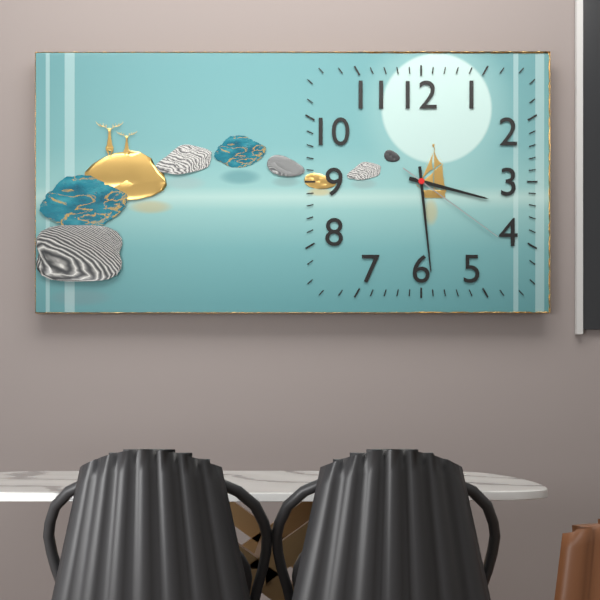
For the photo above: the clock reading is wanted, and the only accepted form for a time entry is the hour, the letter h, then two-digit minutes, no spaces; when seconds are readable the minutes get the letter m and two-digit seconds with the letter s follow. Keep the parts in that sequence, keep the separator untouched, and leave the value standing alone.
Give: 3h29m21s
